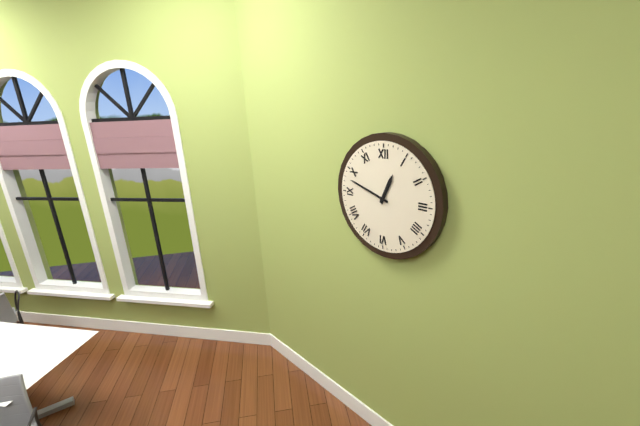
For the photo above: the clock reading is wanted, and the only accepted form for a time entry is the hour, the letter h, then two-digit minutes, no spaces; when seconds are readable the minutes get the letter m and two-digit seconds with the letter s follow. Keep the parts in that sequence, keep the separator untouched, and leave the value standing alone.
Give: 12h48
